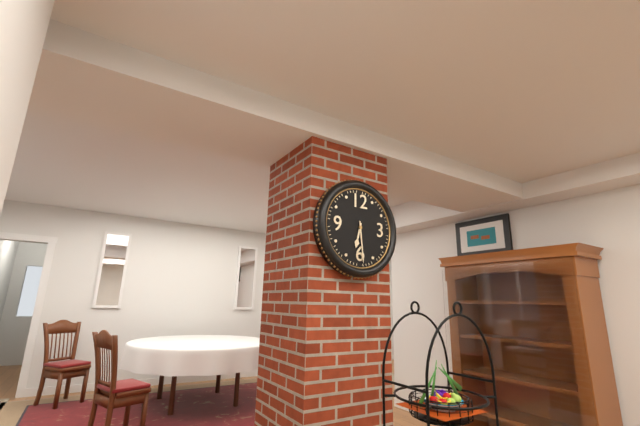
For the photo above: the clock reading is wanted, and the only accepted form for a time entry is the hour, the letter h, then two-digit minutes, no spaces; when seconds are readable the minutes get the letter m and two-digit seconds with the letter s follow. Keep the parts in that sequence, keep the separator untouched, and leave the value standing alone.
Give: 6h29
